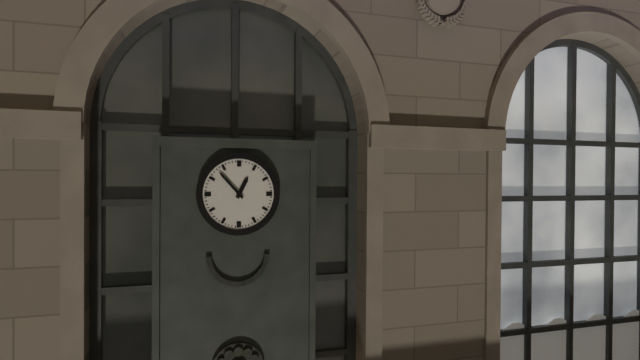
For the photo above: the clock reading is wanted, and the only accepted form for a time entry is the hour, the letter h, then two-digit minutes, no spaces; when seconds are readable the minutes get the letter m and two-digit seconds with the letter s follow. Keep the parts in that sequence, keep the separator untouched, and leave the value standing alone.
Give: 12h53
